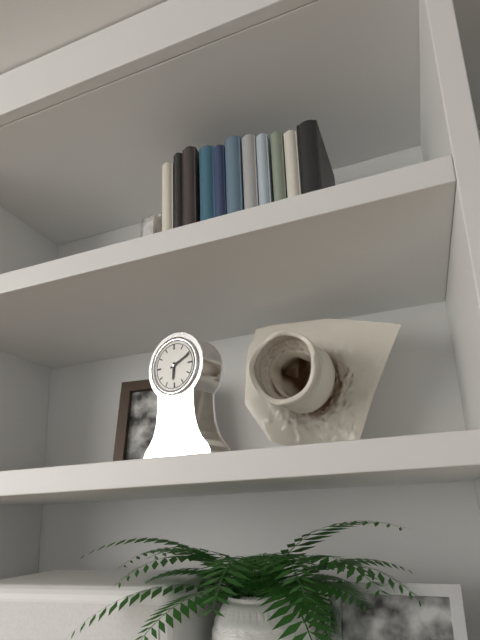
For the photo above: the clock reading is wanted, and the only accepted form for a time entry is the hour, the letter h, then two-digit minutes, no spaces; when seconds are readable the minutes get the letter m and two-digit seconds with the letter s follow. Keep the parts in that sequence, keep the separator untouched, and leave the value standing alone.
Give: 6h11
